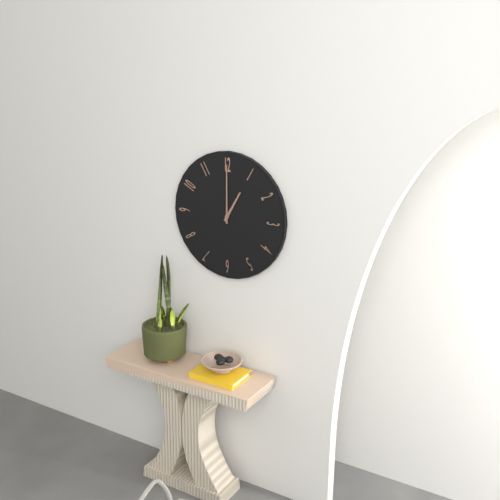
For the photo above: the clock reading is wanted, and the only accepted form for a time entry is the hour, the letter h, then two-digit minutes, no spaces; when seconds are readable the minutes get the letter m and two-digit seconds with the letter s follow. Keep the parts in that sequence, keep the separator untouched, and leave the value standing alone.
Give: 1h00
